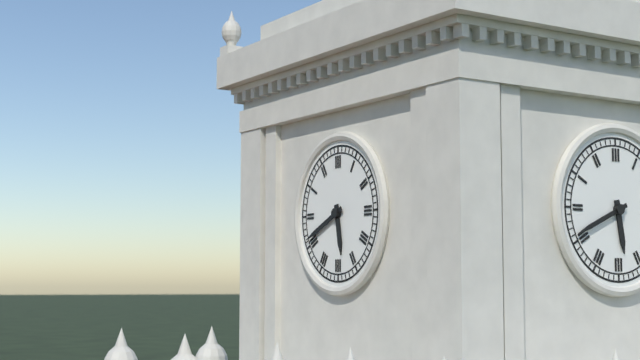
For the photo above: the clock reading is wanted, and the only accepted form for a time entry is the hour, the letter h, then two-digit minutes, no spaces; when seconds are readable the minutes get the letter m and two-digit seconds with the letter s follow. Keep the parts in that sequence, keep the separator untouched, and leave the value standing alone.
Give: 5h41
